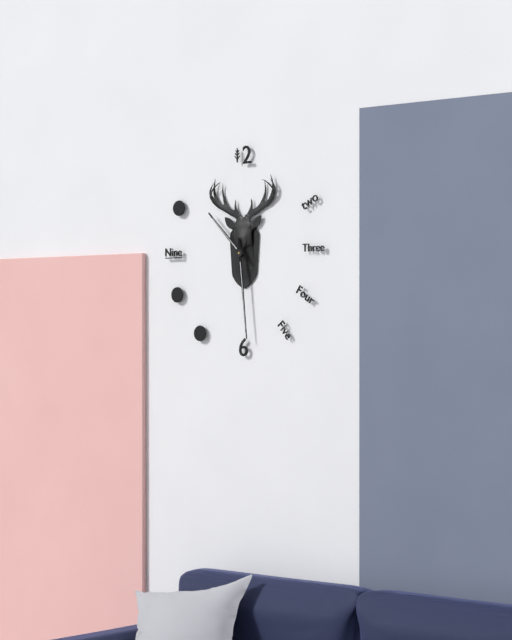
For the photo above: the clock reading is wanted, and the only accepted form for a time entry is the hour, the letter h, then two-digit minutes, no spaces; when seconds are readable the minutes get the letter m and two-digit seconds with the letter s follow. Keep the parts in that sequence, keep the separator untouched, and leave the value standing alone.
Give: 10h29
